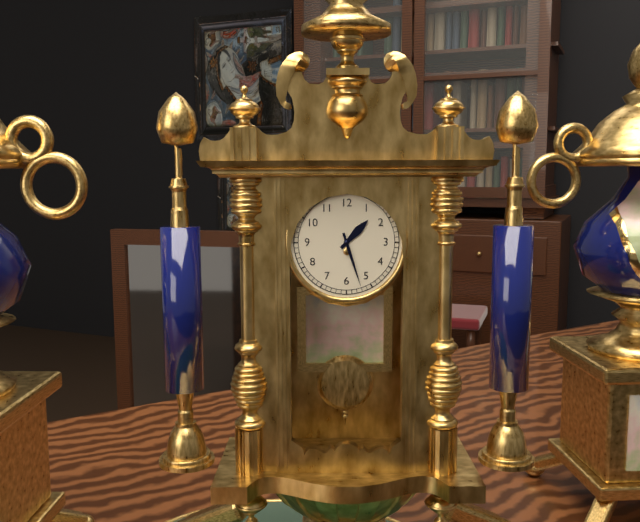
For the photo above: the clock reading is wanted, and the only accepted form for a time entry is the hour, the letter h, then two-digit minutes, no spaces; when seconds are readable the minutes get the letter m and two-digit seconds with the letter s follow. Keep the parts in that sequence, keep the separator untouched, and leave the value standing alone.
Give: 1h27
